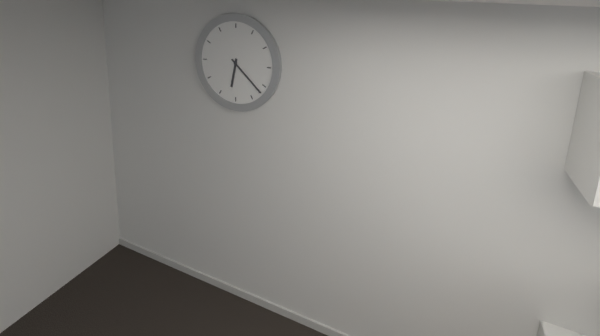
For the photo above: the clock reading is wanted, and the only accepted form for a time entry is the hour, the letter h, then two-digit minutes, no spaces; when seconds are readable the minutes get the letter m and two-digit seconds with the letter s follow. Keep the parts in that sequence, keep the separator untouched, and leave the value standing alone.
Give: 6h22
